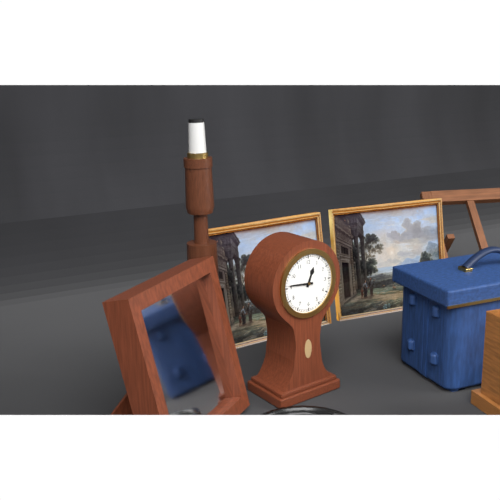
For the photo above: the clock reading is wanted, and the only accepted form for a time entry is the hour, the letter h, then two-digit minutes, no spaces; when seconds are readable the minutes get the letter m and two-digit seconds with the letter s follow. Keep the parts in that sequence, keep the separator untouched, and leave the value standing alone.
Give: 12h46
